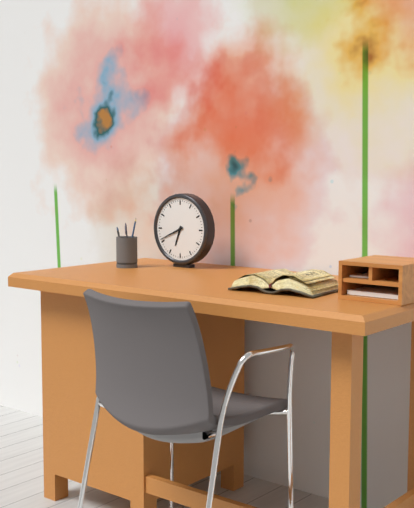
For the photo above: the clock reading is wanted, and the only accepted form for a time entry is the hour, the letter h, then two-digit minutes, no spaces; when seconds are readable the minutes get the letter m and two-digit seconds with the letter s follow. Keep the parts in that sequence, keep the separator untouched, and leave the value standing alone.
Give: 6h41
